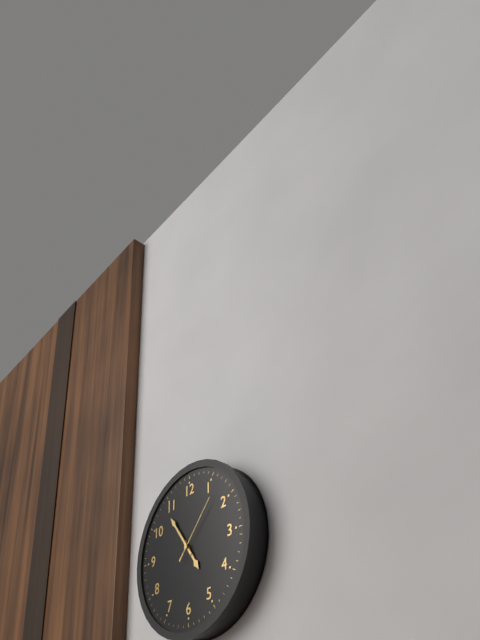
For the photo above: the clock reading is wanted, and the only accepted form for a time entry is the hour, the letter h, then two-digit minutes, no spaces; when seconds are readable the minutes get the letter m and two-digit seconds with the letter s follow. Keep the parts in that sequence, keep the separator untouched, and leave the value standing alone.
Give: 4h54m07s
